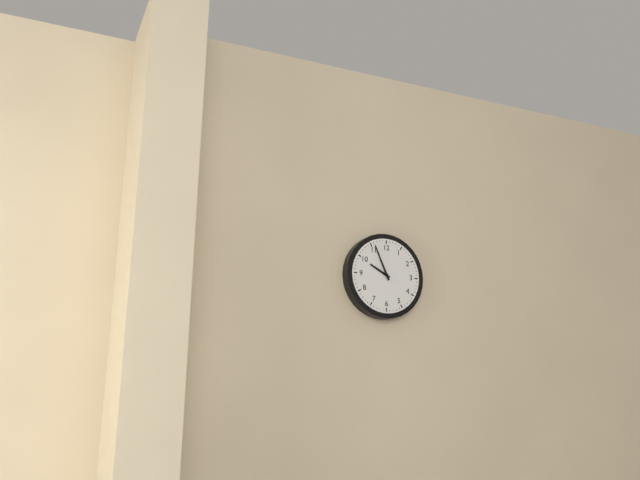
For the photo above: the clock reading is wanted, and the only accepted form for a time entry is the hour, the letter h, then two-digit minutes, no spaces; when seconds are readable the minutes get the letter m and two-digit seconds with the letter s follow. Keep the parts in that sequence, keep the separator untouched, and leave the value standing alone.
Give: 9h56
